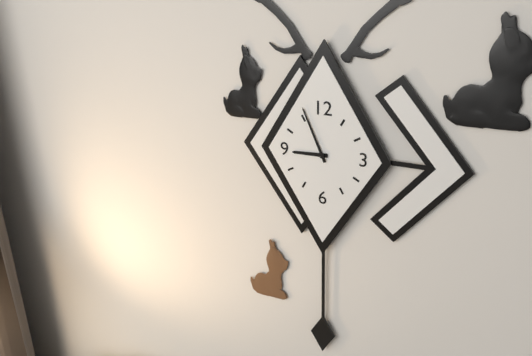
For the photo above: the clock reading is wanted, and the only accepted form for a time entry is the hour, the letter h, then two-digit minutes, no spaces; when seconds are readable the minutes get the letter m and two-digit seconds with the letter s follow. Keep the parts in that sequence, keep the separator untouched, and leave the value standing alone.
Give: 8h56
